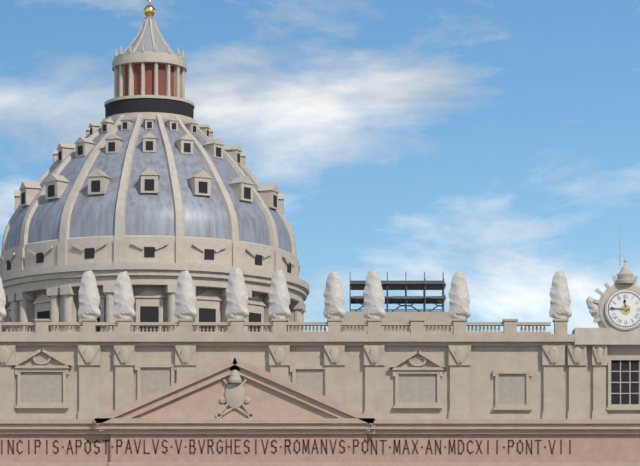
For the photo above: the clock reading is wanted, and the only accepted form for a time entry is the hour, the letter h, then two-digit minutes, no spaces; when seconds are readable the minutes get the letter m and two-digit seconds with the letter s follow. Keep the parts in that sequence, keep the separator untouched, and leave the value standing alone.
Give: 11h46
